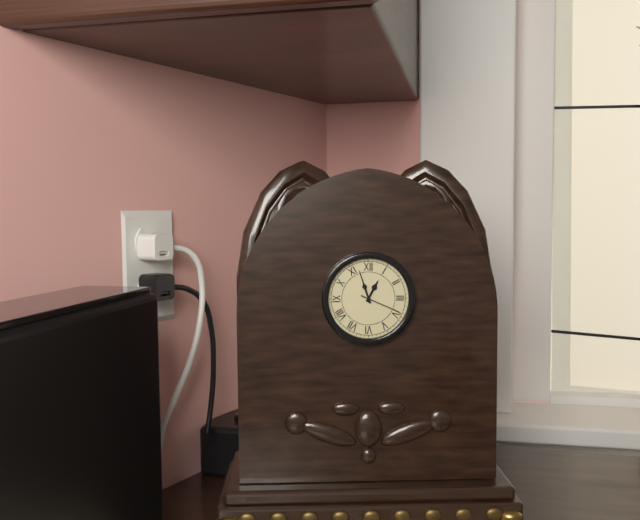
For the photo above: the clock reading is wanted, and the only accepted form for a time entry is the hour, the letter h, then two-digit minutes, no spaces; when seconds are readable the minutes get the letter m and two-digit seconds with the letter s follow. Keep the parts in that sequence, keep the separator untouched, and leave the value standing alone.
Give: 12h57
